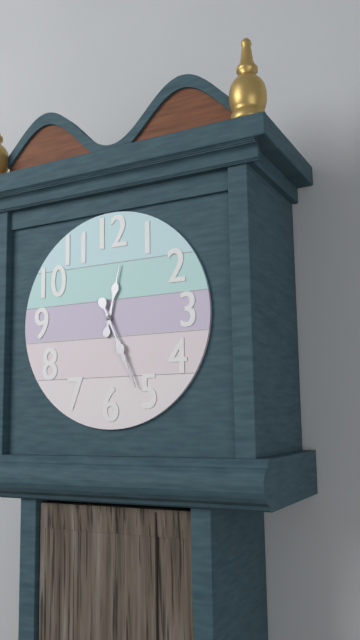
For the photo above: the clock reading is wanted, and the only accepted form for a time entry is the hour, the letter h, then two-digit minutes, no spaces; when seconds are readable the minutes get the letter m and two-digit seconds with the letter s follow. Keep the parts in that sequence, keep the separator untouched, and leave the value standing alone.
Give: 12h26
